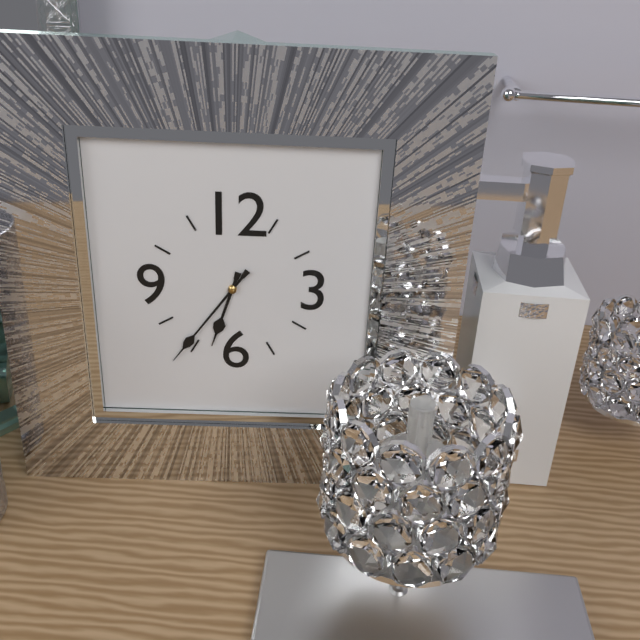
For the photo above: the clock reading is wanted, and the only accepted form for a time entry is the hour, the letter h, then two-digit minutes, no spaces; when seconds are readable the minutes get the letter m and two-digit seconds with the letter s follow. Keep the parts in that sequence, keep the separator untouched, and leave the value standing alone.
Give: 6h36
